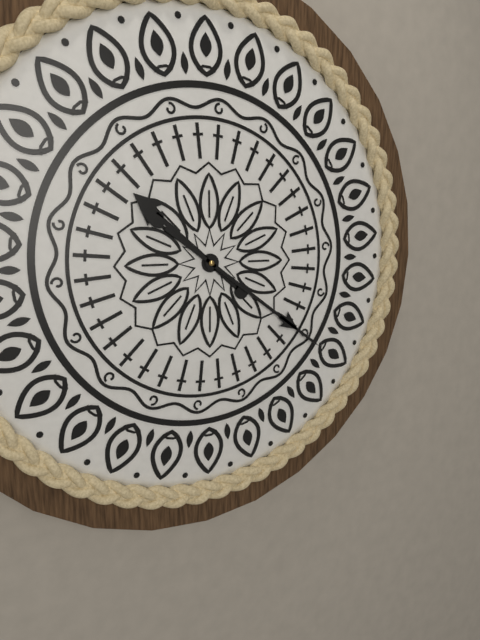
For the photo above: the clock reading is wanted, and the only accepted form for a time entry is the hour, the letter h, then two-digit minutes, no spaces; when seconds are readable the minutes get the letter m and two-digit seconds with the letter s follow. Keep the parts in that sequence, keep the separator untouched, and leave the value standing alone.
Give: 10h21
